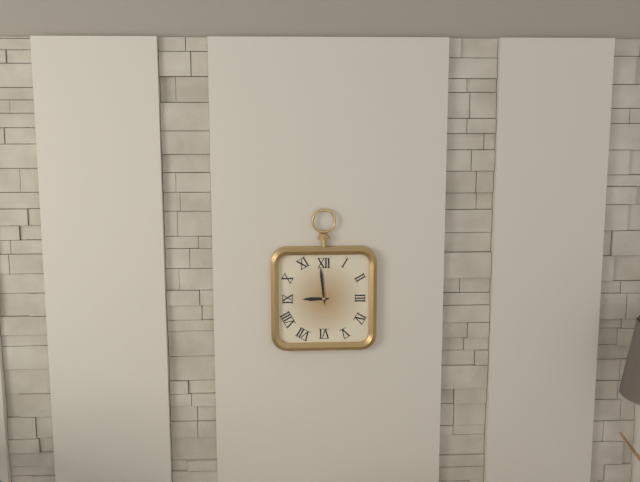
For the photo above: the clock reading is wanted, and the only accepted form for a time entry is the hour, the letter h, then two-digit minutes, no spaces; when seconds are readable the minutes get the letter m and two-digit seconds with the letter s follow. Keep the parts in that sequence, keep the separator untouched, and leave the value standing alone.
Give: 8h59
